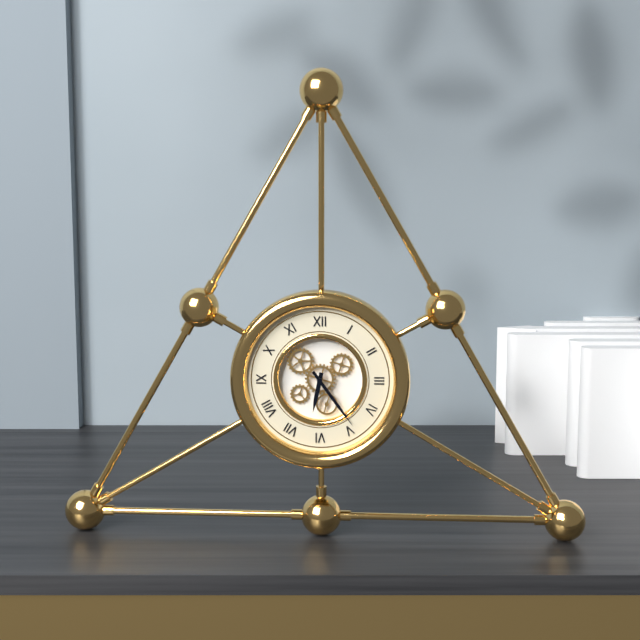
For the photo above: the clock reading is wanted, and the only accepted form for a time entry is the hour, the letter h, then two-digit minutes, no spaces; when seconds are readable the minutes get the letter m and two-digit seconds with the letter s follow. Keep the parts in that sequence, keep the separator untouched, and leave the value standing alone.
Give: 6h24
